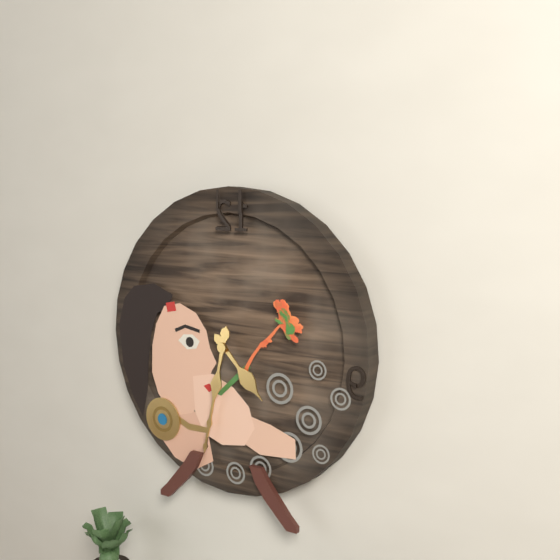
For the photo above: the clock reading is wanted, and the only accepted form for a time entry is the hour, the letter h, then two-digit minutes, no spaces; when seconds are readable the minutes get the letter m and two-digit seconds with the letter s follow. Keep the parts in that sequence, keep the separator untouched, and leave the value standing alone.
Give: 4h32
